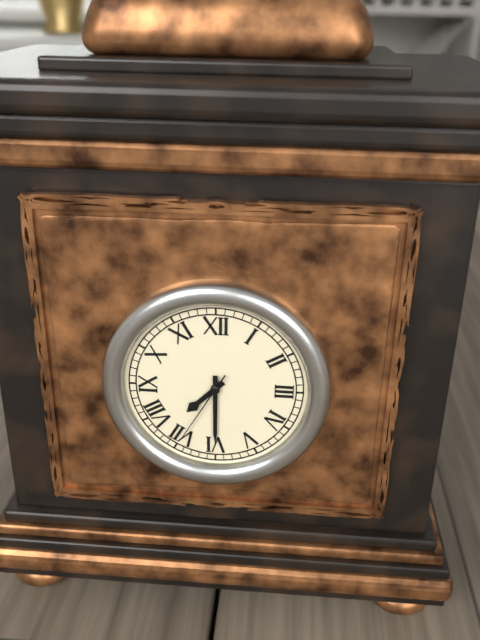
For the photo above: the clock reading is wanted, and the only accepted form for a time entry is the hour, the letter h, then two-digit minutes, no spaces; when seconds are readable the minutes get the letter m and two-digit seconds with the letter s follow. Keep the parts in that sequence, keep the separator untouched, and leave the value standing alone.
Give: 7h30m35s
